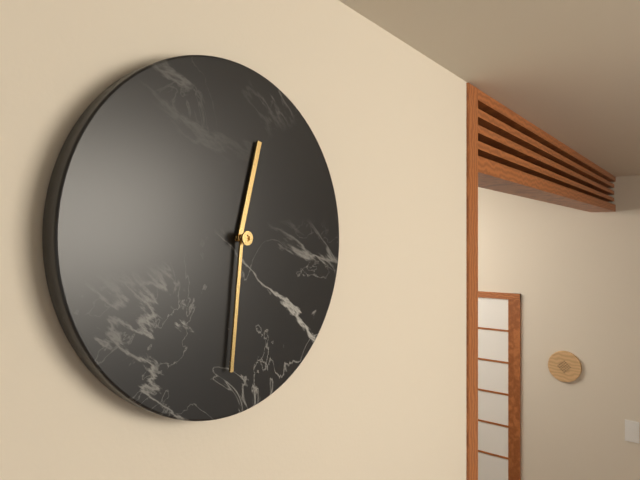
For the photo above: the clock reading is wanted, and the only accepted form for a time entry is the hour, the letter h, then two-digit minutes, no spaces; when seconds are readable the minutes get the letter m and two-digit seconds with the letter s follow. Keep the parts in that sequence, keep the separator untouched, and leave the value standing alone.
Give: 12h31
